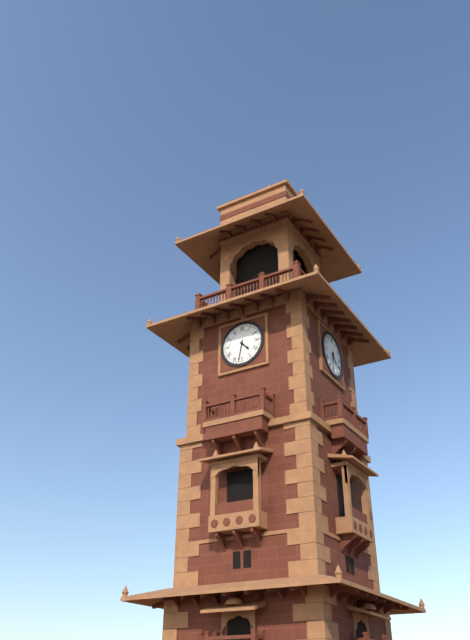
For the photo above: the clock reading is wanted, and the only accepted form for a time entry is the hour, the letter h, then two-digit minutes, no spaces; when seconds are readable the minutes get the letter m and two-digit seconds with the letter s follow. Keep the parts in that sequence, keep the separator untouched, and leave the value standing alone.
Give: 4h32
